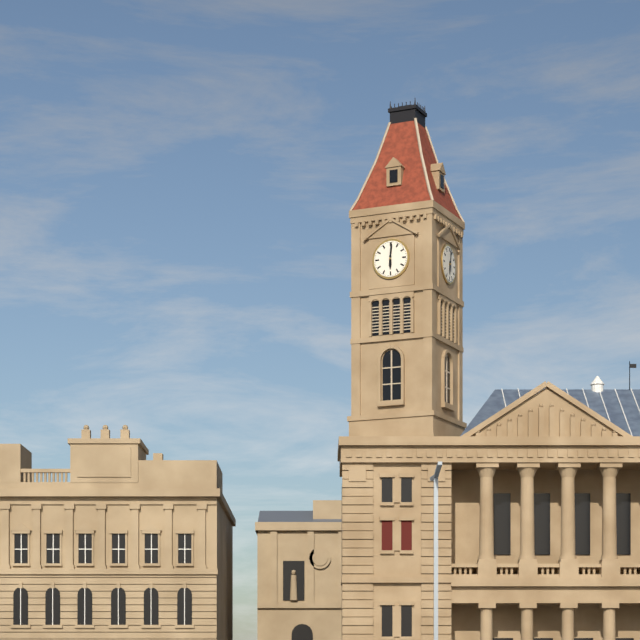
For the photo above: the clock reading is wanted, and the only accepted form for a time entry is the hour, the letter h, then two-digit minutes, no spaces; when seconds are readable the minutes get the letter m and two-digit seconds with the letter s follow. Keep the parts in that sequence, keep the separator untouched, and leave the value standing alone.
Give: 6h01
